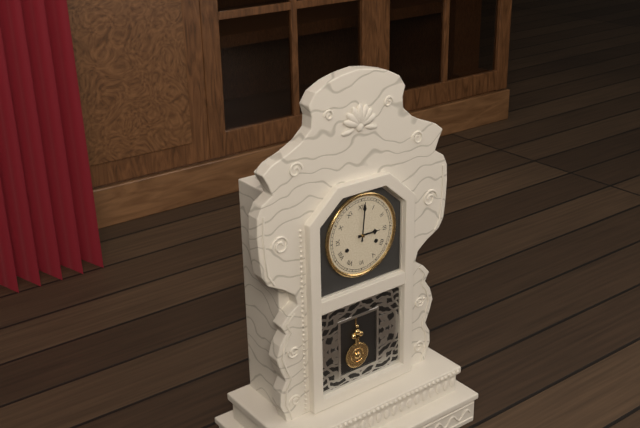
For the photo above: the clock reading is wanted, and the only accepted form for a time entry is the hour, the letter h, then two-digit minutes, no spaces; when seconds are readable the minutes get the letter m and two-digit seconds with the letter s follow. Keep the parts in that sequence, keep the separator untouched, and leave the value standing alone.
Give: 3h01
